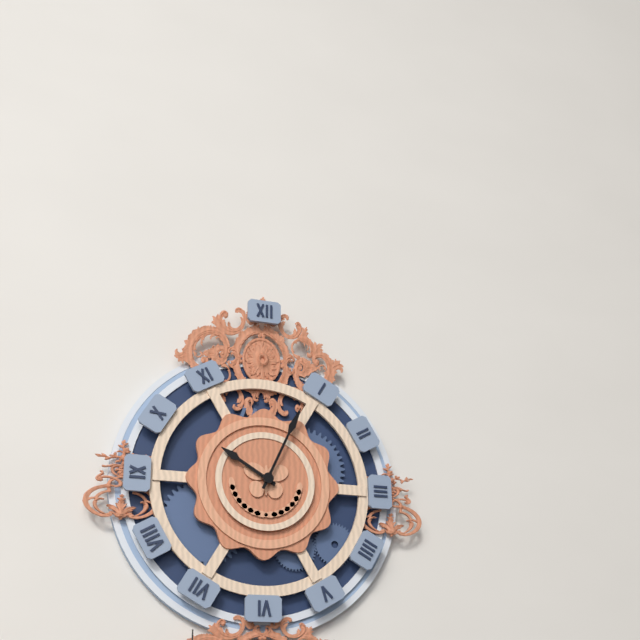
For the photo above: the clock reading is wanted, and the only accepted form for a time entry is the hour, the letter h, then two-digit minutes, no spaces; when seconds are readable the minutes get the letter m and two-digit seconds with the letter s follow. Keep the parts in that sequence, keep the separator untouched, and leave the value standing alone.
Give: 10h04
